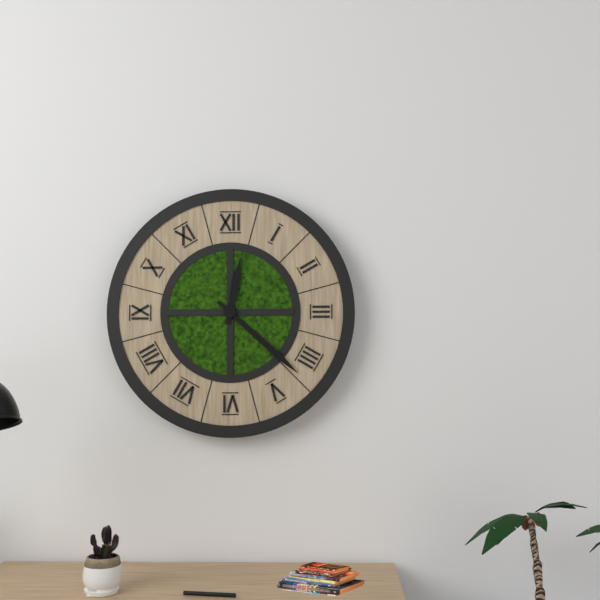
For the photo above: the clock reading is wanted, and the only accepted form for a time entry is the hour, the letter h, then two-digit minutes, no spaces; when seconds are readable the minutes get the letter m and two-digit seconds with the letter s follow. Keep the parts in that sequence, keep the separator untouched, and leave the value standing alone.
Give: 12h22
